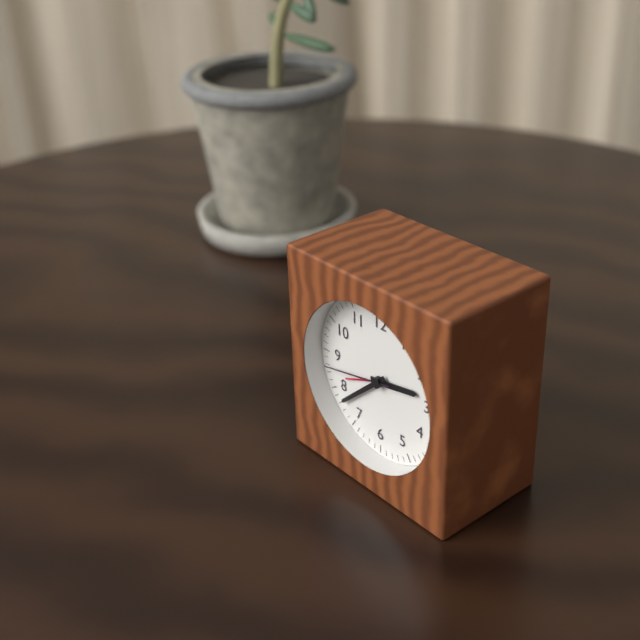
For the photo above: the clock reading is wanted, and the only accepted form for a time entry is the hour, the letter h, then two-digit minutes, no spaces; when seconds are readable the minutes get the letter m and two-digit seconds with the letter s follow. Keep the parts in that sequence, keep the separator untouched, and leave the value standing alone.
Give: 2h38m43s
